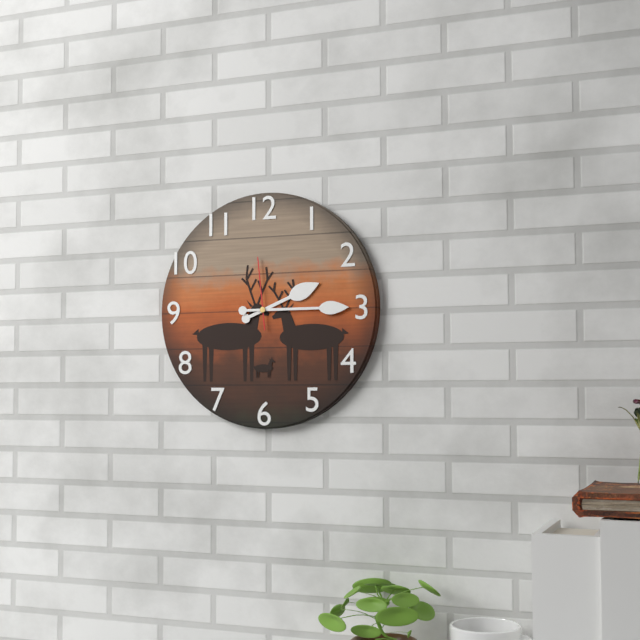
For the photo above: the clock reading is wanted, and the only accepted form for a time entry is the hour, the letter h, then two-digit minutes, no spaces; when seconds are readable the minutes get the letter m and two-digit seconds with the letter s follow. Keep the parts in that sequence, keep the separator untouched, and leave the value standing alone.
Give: 2h15m59s
